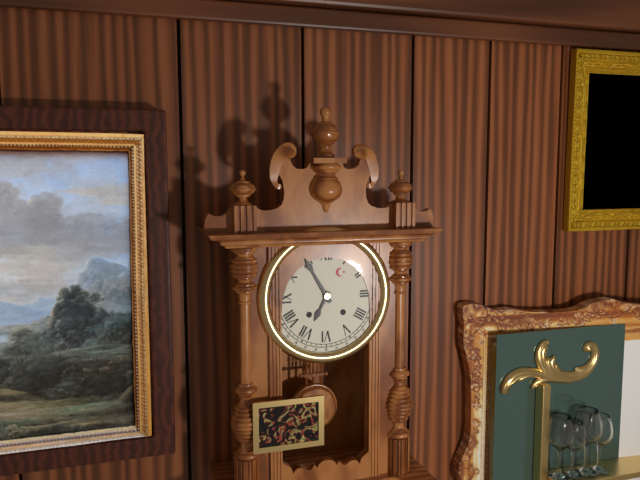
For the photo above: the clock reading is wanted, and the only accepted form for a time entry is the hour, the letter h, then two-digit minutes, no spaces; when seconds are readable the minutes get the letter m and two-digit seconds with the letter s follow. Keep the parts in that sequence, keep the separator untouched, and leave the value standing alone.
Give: 6h55
